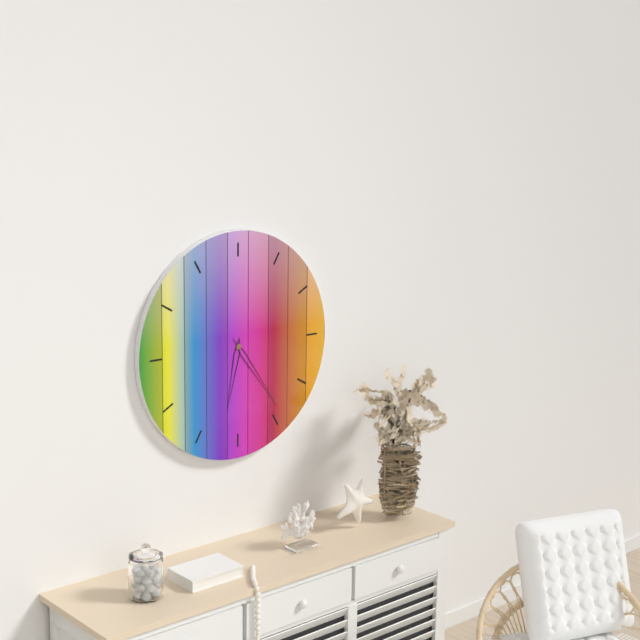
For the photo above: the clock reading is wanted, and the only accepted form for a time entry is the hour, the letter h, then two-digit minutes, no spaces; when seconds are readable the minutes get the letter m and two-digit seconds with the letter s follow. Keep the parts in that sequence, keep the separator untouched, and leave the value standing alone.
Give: 6h24
